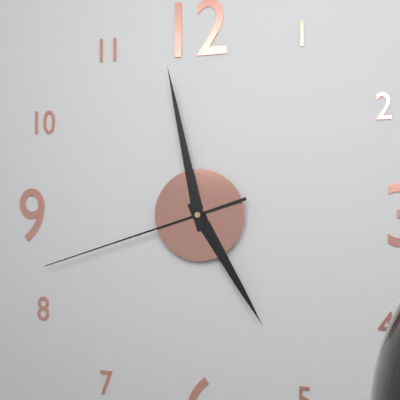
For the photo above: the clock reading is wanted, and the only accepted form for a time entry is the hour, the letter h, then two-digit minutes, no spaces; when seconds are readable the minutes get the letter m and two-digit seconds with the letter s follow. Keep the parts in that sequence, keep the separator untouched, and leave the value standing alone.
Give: 4h58m42s
